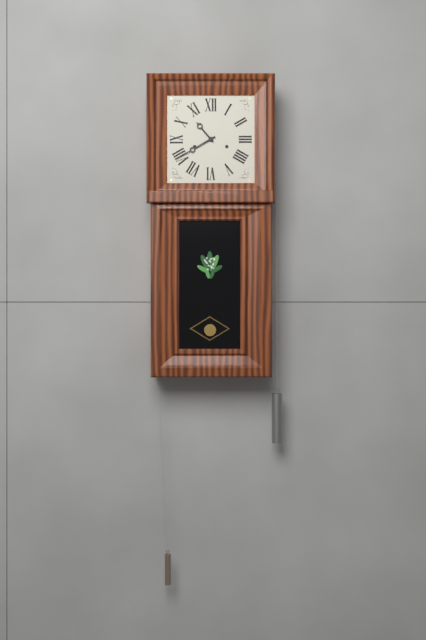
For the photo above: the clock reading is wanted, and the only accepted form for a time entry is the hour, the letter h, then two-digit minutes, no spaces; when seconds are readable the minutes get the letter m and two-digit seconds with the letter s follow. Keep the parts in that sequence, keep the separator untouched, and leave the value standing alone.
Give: 10h40
